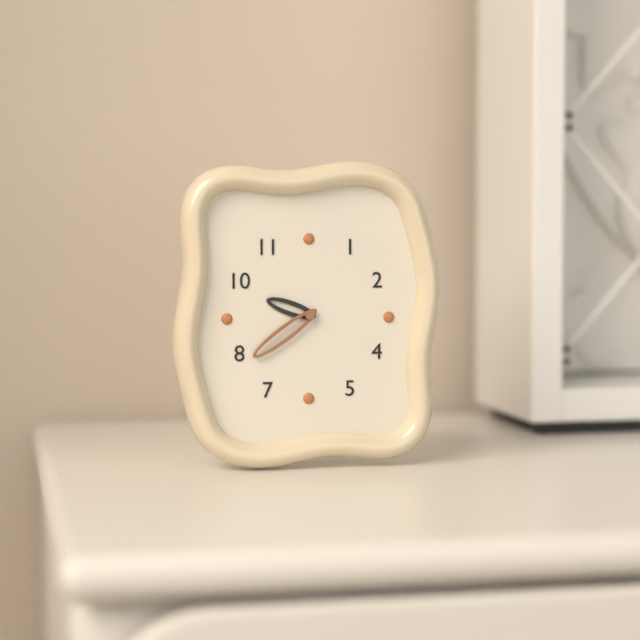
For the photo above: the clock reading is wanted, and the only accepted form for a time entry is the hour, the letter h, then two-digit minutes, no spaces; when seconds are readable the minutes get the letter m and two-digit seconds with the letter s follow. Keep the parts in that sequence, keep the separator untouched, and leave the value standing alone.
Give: 9h39
